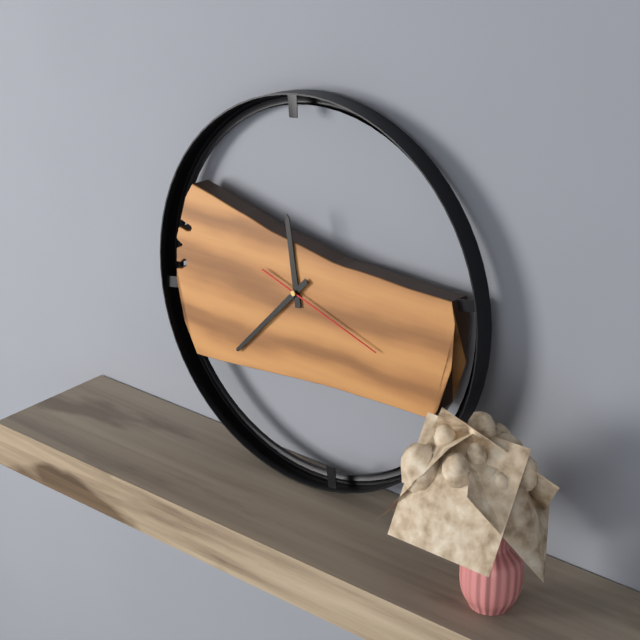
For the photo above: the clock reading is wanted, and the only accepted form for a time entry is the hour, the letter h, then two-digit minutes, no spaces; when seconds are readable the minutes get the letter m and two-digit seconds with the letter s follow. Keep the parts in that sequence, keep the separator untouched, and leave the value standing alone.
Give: 11h37m18s
